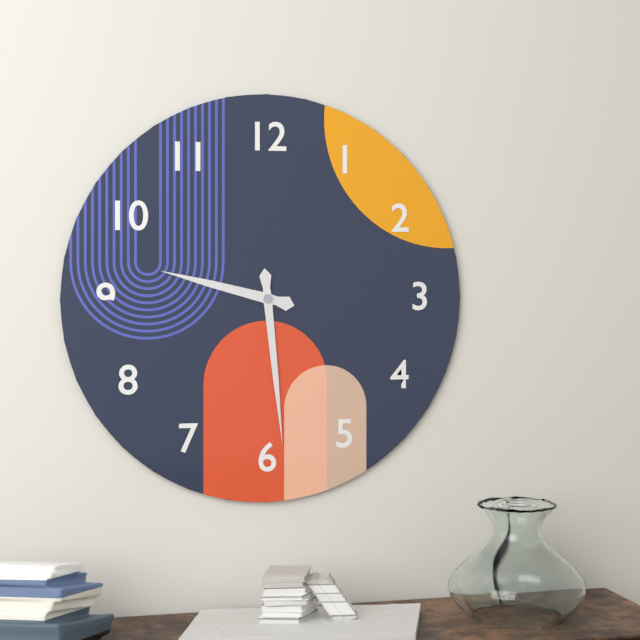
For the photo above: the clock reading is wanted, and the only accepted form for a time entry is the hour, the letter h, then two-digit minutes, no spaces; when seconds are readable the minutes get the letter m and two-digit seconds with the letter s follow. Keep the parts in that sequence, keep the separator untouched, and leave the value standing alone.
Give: 9h29
